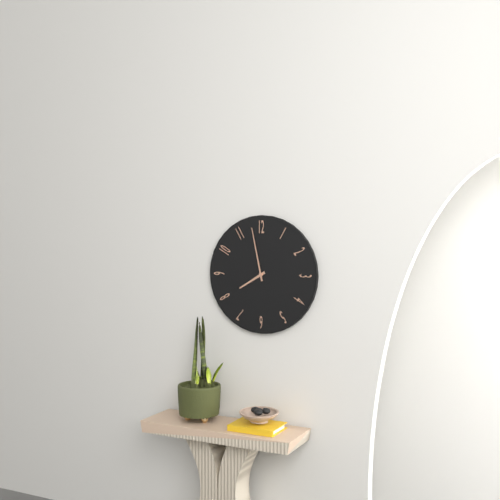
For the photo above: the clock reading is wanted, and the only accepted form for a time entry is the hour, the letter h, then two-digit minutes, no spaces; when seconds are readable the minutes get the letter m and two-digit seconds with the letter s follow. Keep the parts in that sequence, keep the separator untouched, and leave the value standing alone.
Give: 7h58
